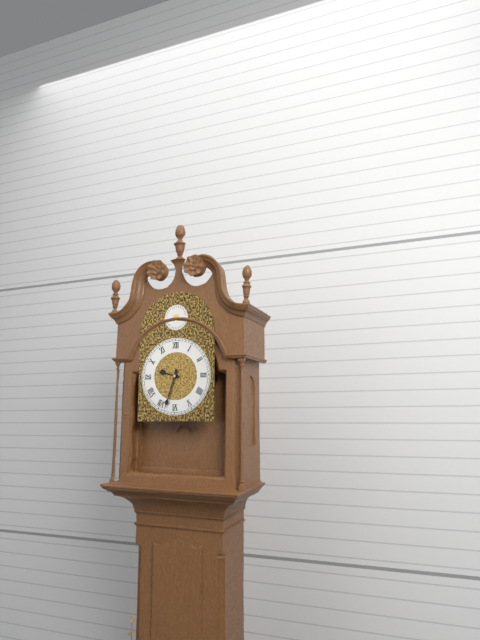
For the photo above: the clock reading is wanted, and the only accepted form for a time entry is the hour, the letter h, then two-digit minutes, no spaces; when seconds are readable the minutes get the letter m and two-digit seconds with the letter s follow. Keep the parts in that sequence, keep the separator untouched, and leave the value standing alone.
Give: 9h33
